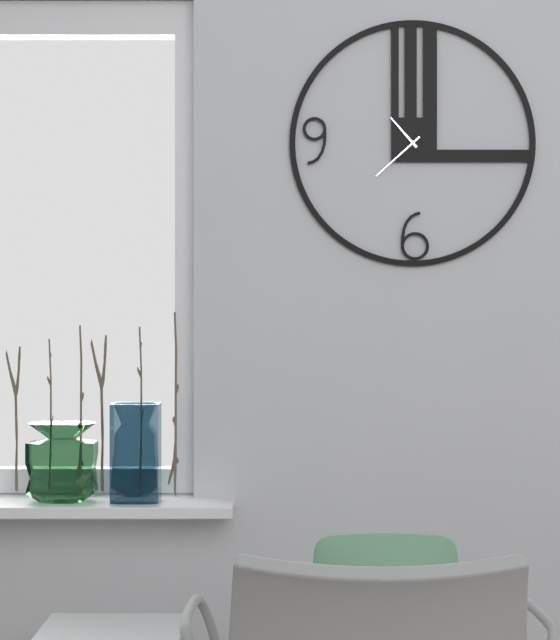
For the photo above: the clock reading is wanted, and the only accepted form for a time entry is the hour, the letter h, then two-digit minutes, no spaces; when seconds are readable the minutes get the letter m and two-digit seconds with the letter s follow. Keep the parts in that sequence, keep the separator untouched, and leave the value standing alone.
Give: 10h38
